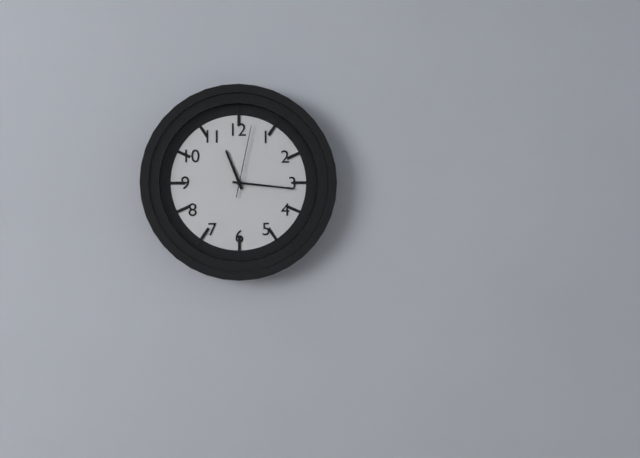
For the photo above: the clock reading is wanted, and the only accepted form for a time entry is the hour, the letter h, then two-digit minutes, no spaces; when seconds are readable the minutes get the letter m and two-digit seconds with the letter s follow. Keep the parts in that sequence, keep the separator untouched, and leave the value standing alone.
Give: 11h16m02s
